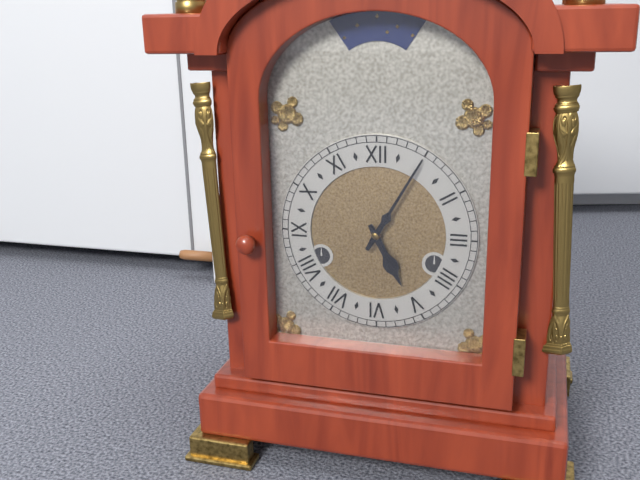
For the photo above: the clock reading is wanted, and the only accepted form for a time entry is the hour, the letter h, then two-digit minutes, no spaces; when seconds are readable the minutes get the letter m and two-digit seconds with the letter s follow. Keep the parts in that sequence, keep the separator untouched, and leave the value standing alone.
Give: 5h05
